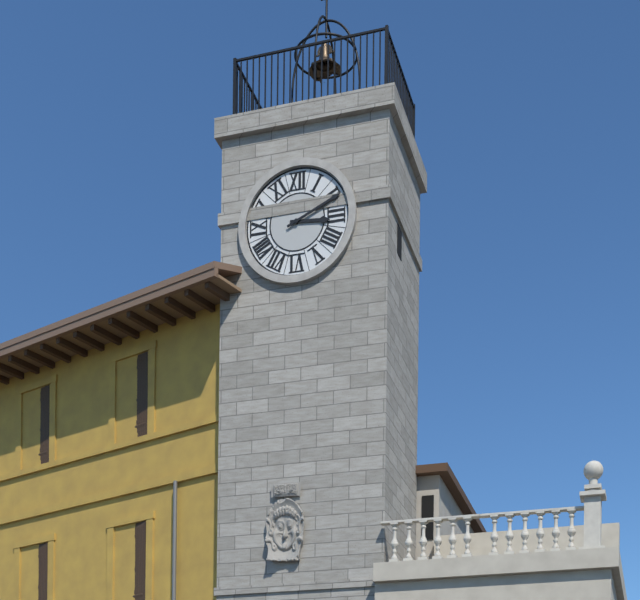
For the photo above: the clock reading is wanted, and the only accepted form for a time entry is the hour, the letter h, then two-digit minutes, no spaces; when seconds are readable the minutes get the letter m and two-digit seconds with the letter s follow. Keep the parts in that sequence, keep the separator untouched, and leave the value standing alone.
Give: 3h11
